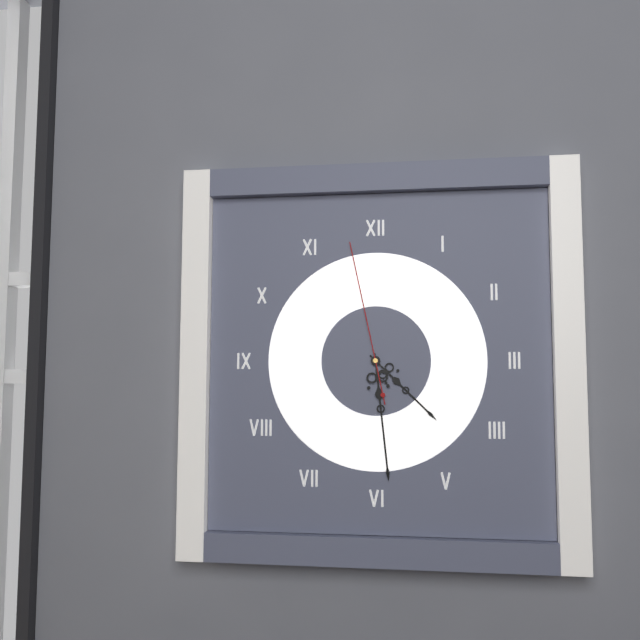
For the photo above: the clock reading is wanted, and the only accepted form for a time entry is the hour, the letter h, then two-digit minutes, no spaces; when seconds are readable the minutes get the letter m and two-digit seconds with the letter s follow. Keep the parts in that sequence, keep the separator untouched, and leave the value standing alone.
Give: 4h29m58s
